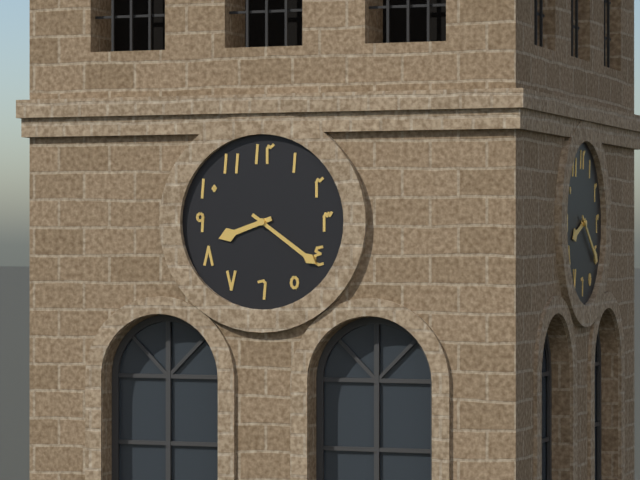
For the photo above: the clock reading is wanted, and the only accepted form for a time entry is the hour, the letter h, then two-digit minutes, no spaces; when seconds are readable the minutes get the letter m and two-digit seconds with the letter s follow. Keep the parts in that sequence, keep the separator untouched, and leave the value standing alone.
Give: 8h21
